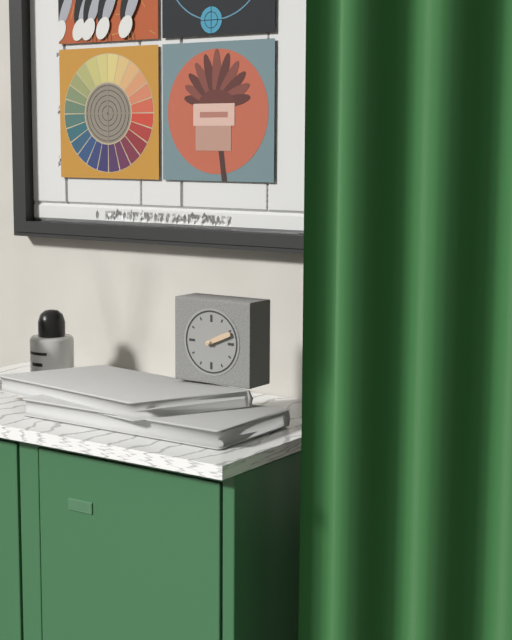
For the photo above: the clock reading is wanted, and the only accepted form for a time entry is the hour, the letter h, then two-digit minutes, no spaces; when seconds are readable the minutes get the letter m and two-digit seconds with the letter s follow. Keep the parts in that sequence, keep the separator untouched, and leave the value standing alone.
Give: 2h11
